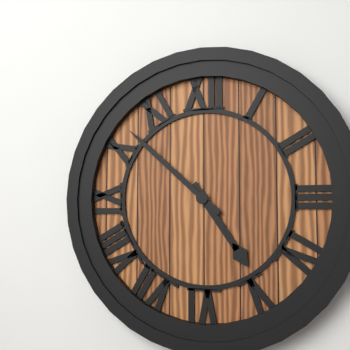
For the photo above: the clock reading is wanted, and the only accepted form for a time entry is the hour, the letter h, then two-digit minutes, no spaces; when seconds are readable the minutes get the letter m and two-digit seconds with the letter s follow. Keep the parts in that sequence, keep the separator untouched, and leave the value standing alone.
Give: 4h52
